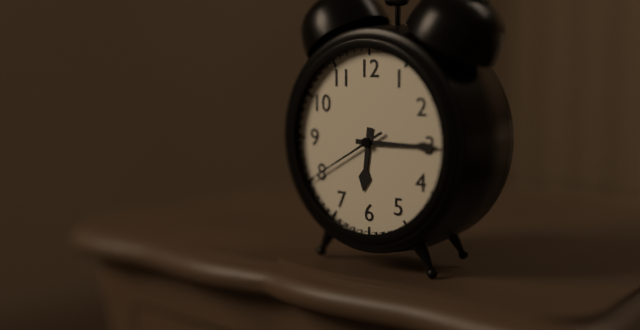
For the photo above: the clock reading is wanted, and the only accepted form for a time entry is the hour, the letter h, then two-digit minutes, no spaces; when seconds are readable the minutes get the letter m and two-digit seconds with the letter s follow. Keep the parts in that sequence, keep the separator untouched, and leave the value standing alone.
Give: 6h15m40s
